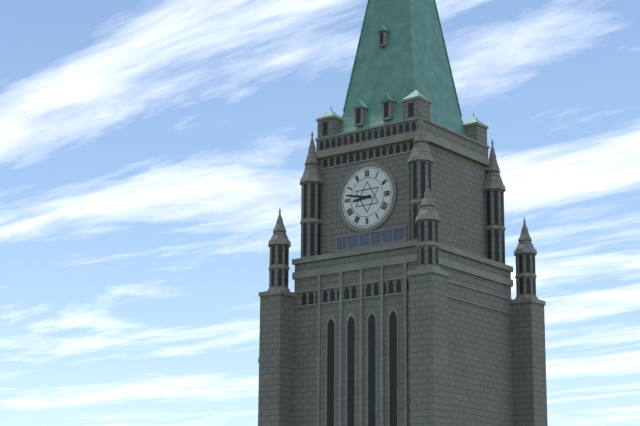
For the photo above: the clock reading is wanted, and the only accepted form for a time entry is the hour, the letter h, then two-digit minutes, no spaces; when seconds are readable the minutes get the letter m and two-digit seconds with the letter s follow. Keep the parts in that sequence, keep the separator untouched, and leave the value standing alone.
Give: 8h47
